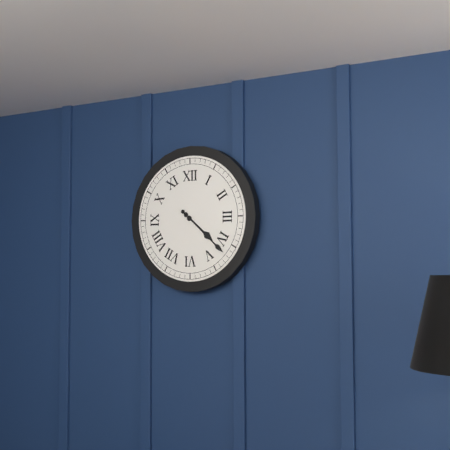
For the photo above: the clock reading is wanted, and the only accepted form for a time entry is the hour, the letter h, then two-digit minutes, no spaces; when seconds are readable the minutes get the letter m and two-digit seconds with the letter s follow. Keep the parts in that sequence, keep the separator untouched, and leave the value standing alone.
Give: 4h22
